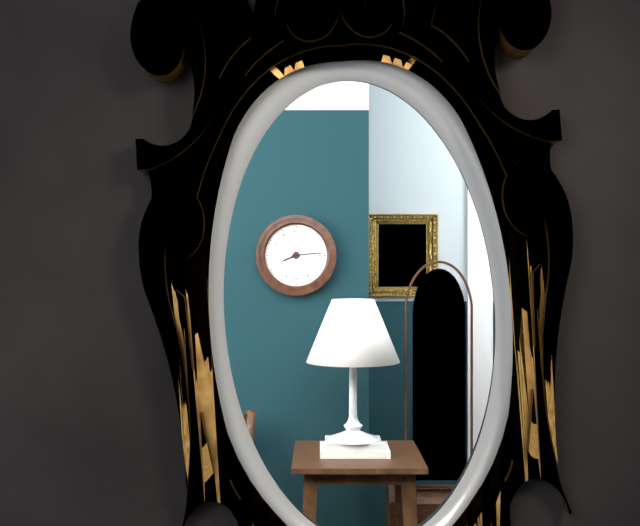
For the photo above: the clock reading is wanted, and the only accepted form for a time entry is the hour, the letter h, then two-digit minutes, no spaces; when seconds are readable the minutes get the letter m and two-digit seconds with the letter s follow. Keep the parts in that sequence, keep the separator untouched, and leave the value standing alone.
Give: 8h14
